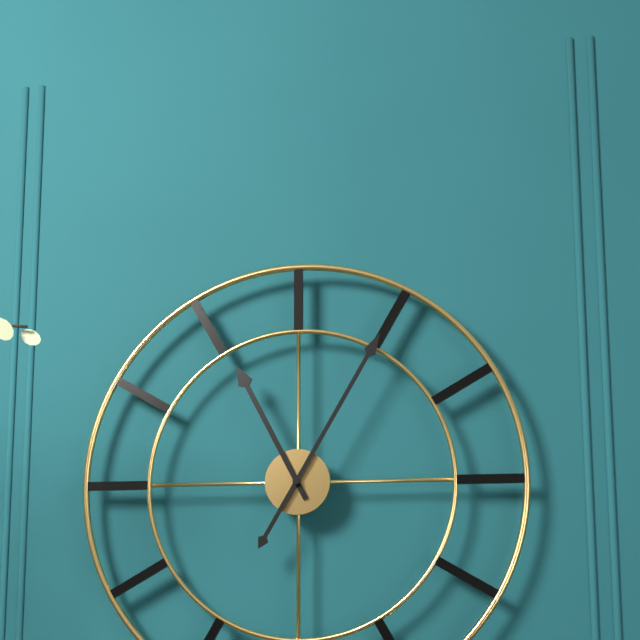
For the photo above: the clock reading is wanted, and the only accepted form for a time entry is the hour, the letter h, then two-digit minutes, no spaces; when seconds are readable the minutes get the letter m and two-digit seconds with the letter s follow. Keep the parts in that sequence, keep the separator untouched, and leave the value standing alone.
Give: 11h05
